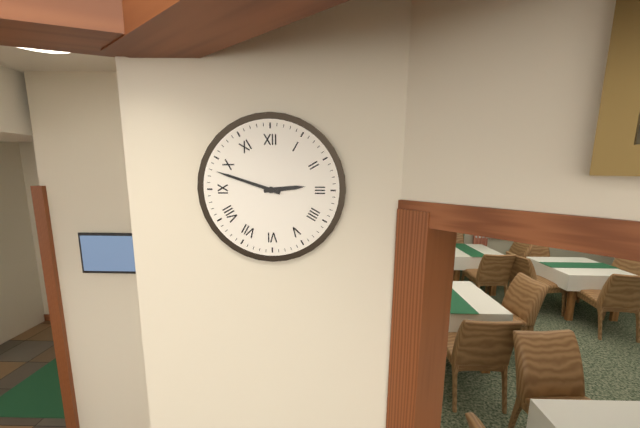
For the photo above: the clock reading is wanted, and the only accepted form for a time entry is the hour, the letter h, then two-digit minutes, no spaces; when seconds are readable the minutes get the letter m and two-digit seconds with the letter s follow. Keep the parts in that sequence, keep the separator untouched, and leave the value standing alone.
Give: 2h48
